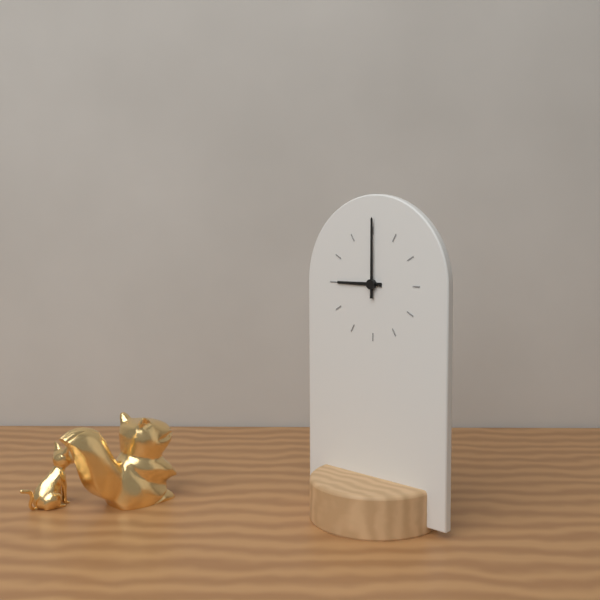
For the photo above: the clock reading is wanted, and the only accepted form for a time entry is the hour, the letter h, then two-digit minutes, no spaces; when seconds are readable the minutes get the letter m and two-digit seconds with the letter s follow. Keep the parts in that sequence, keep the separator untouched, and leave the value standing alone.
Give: 9h00
